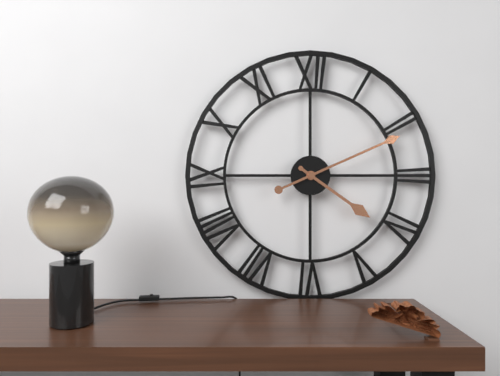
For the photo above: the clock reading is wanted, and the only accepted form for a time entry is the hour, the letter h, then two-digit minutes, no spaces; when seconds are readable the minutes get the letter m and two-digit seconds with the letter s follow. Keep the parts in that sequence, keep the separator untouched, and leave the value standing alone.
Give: 4h11
